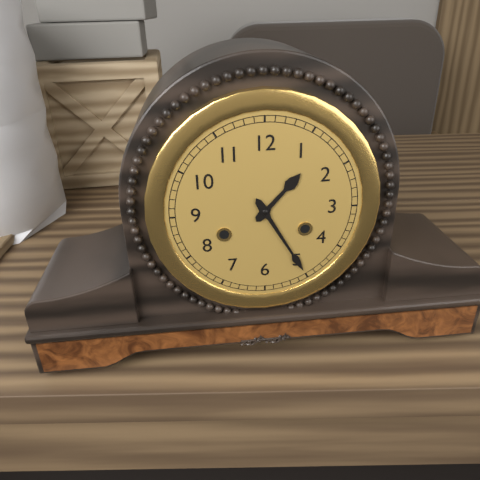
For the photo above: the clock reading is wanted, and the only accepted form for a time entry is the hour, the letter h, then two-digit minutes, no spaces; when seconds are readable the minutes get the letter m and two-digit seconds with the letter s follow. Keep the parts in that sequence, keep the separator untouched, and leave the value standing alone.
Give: 1h25
